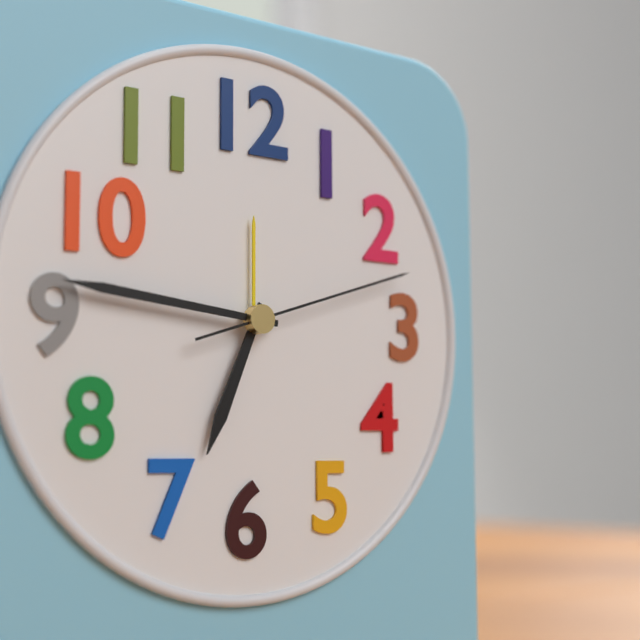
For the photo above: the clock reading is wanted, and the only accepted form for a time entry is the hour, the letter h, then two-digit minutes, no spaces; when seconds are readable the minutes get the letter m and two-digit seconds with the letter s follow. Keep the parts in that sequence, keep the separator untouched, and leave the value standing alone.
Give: 6h46m12s
